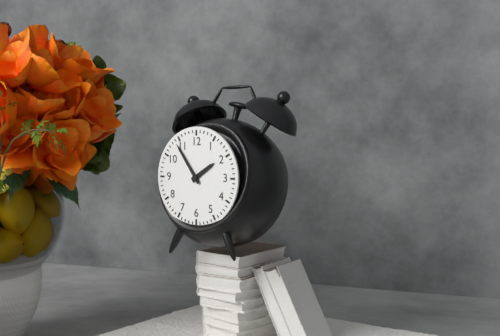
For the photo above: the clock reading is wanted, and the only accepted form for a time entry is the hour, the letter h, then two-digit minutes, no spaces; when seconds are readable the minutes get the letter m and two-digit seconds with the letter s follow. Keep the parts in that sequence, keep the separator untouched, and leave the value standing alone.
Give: 1h54
